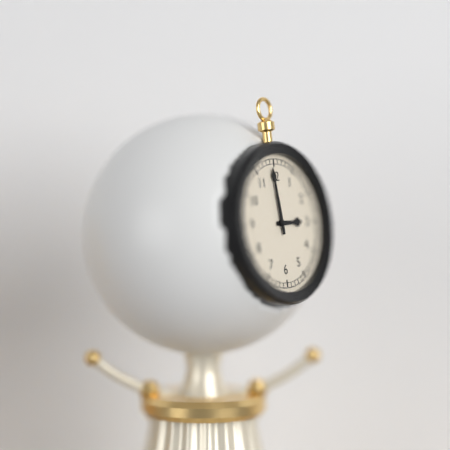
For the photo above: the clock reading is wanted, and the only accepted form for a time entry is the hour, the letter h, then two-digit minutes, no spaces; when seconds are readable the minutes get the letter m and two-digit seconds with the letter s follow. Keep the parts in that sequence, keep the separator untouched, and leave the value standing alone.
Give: 2h59
